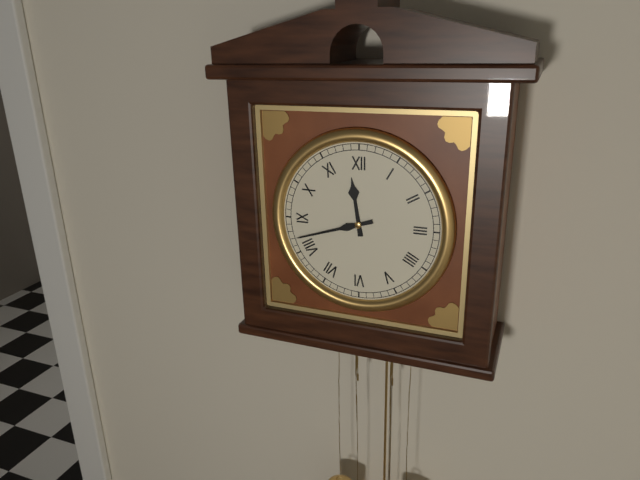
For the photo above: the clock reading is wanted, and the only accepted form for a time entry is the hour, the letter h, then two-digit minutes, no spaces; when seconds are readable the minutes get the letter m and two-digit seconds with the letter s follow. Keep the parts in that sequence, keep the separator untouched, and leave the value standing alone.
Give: 11h42
